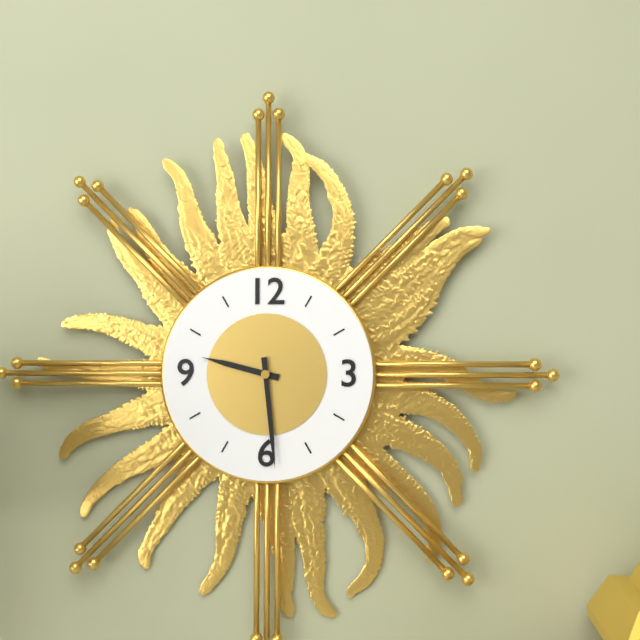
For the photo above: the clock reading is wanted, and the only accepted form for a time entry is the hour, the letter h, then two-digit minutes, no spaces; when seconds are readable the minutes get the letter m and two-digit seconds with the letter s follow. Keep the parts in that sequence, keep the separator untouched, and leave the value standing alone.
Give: 9h29
